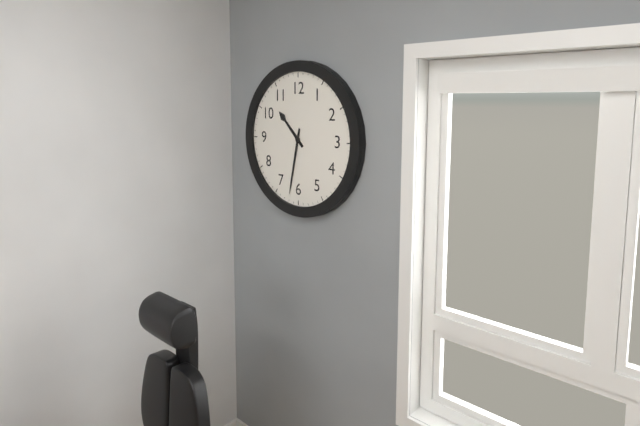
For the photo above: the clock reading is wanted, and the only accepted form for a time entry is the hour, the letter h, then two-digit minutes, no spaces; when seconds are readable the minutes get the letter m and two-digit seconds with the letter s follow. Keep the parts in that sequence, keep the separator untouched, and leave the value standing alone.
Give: 10h32
